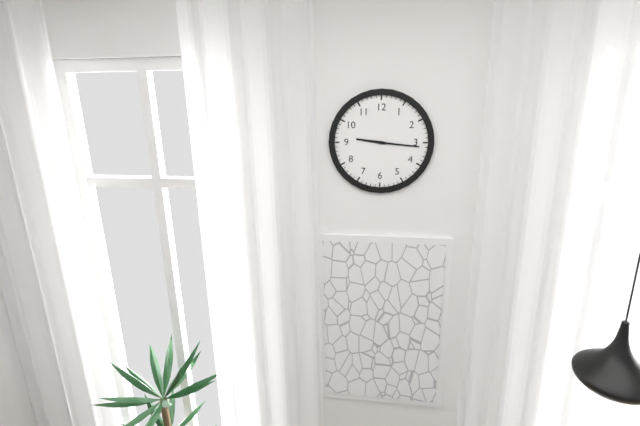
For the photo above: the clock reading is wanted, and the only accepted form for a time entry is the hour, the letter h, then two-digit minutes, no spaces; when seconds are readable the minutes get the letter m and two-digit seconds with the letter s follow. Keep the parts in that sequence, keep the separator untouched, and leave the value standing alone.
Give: 9h16
